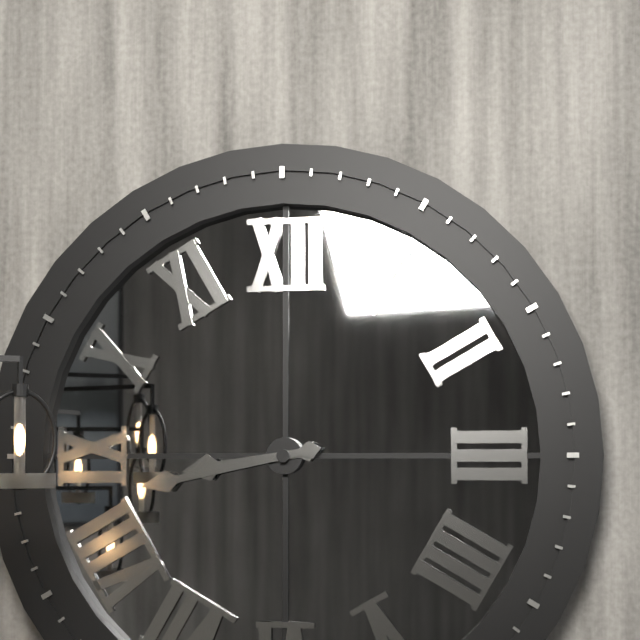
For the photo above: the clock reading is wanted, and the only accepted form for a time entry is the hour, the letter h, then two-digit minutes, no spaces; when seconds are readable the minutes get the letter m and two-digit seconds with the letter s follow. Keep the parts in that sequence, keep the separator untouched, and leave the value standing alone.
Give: 8h43
